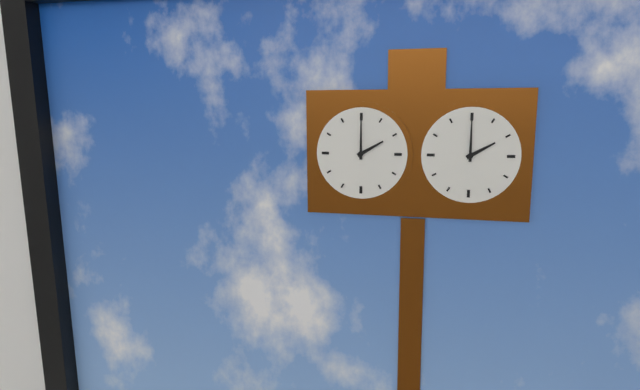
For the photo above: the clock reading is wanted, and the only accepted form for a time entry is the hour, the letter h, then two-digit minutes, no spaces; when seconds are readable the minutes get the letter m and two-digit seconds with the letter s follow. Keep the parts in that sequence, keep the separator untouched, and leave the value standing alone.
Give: 2h00
